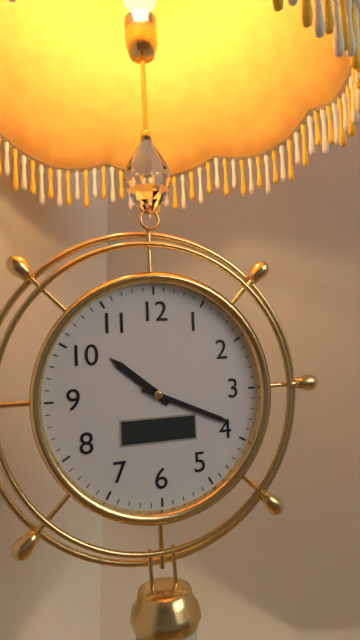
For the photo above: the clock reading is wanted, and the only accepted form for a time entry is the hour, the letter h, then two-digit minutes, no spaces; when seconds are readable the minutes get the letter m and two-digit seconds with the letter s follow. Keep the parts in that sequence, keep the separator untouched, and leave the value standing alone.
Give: 10h19
